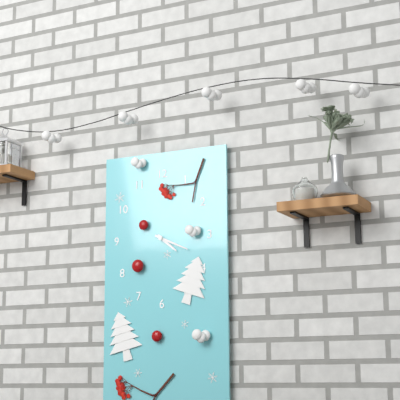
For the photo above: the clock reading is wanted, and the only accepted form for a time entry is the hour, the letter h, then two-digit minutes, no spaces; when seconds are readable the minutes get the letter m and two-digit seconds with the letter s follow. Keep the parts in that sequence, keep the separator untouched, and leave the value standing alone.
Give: 4h19
